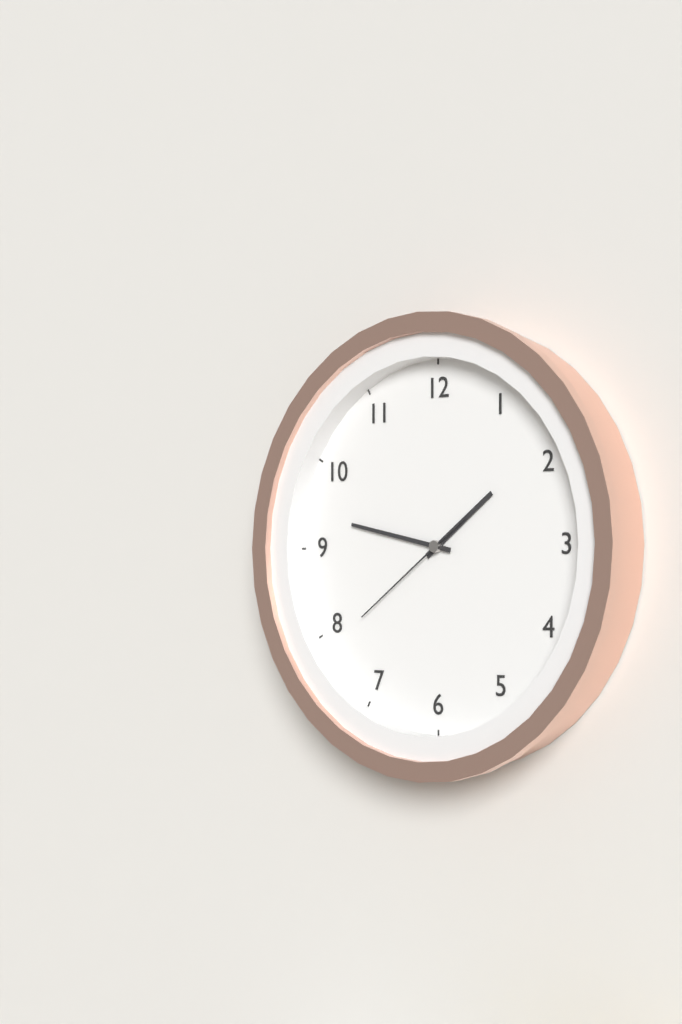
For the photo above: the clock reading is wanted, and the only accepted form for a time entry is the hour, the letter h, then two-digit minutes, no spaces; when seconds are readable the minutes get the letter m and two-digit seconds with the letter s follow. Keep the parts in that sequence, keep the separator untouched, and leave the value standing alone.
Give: 1h47m39s
